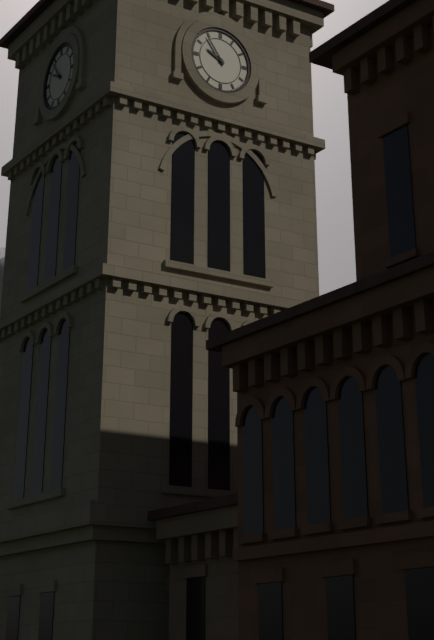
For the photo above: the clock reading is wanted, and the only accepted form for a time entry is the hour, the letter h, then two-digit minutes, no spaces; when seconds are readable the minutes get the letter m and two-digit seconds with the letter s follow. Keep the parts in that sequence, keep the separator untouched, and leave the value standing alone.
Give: 9h54
